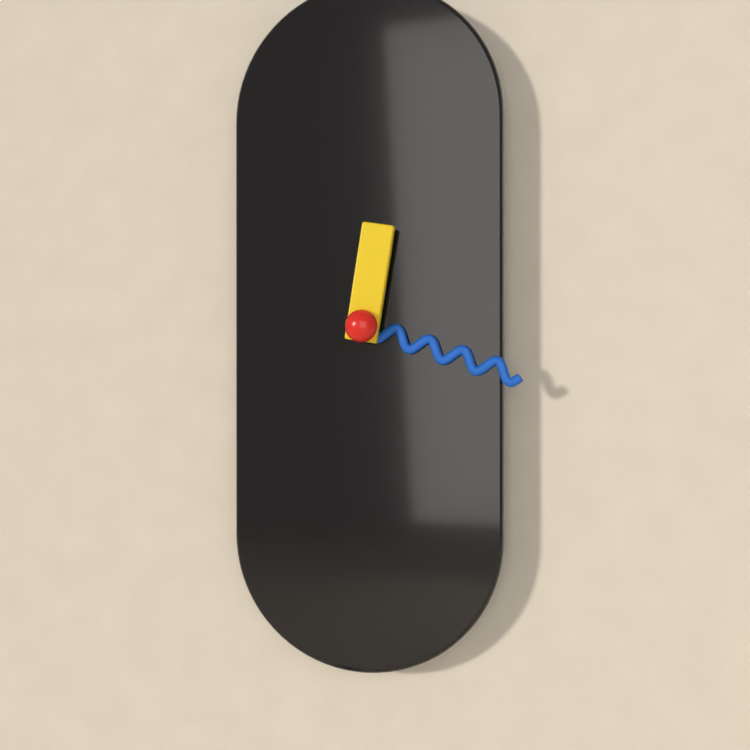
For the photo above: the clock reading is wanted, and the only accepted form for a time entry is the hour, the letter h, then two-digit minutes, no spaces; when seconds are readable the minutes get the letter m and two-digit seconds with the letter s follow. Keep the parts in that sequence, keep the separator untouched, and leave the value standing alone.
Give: 12h18
